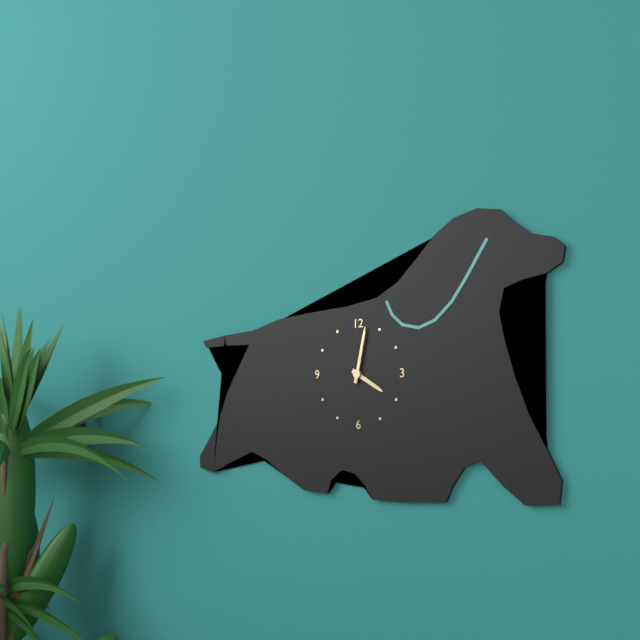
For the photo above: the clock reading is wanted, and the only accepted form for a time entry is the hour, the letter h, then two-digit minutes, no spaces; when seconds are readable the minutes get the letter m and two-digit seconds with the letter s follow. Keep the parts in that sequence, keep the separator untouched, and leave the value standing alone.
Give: 4h02
